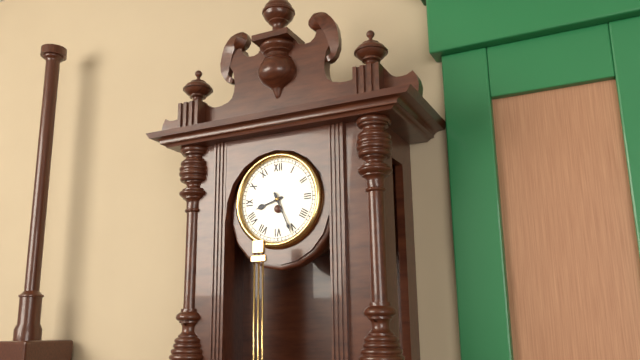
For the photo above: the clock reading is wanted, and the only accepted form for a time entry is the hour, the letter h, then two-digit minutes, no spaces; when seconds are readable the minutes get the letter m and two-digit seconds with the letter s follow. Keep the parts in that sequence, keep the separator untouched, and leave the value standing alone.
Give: 8h26
